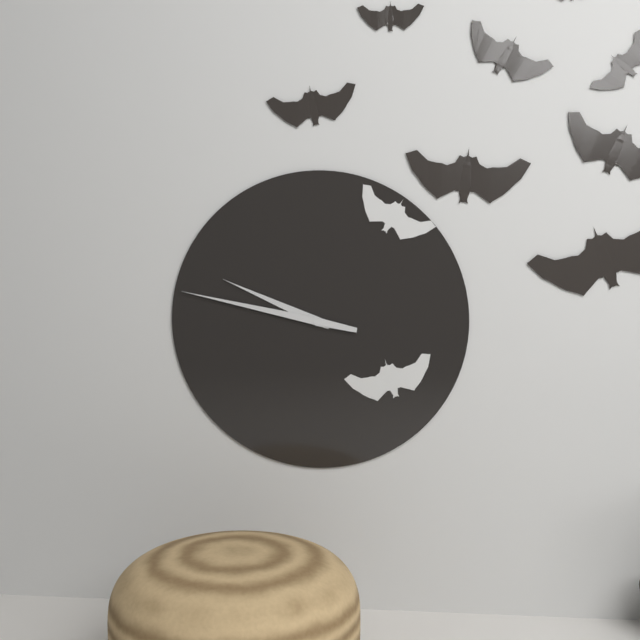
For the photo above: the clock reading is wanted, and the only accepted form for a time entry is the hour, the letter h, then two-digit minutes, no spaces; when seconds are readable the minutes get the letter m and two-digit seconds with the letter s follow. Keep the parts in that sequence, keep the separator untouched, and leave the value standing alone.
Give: 9h47
